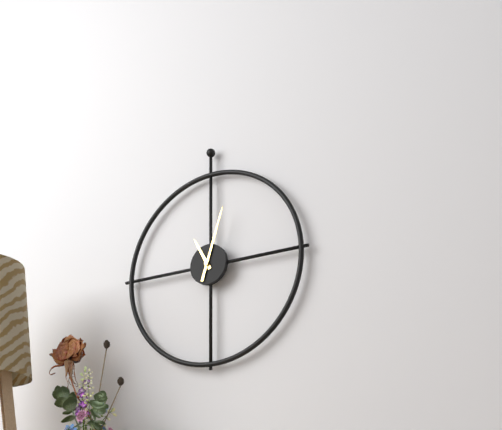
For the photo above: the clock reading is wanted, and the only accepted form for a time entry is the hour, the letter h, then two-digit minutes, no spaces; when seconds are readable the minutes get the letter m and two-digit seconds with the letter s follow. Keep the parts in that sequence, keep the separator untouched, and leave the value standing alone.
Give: 11h03
